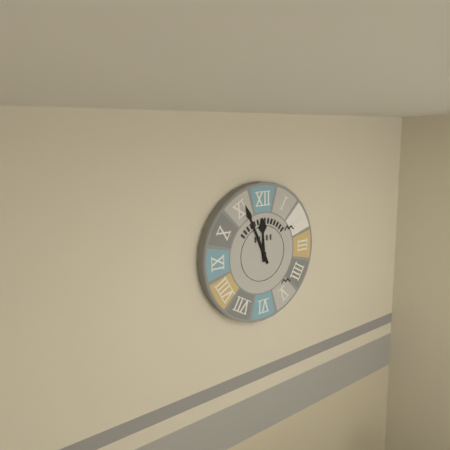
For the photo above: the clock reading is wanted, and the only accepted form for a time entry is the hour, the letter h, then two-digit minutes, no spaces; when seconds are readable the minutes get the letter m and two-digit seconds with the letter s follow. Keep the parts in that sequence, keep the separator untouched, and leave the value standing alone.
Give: 11h56
